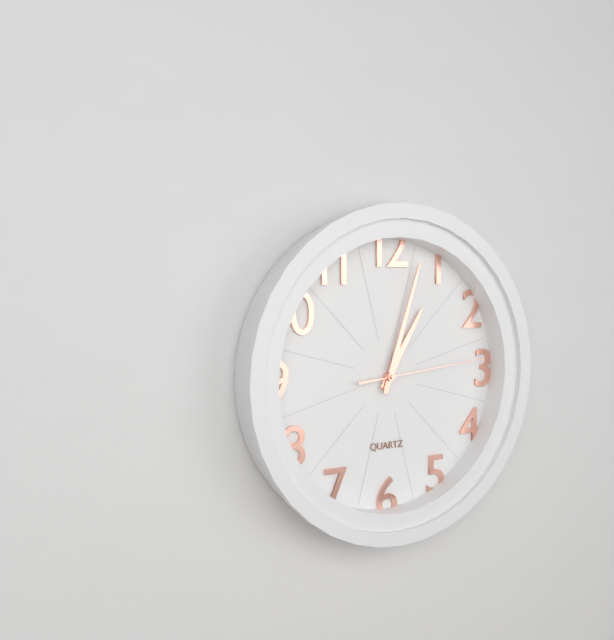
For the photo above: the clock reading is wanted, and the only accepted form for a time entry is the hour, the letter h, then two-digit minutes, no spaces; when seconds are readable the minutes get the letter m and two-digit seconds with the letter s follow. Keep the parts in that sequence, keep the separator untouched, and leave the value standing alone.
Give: 1h03m14s
